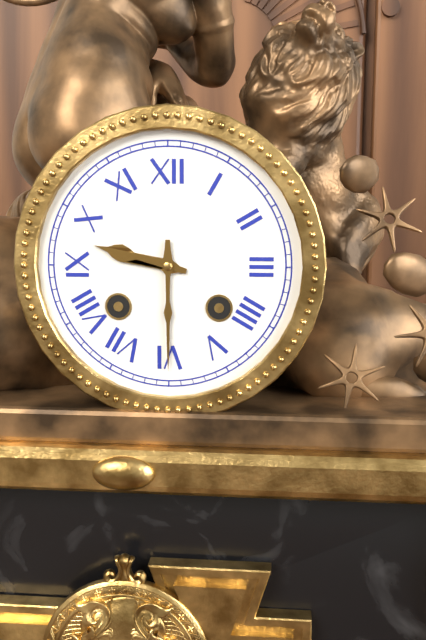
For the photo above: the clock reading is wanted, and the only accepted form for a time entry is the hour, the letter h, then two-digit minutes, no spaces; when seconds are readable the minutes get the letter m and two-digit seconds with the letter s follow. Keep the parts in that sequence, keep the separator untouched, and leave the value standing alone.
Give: 9h30
